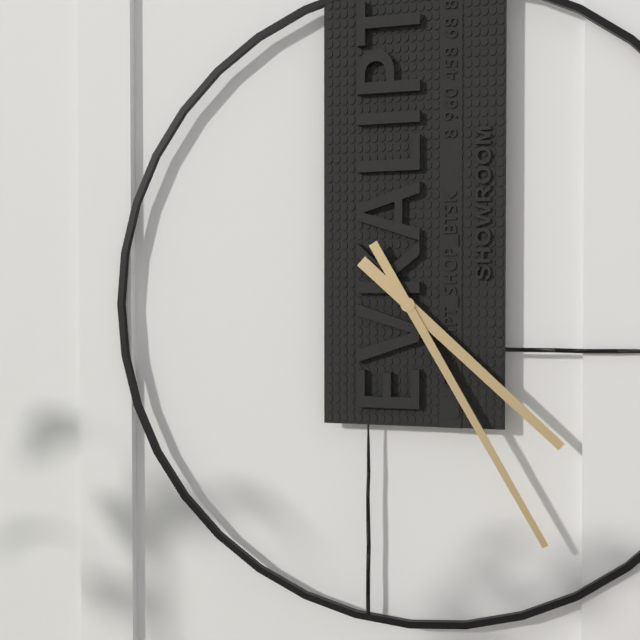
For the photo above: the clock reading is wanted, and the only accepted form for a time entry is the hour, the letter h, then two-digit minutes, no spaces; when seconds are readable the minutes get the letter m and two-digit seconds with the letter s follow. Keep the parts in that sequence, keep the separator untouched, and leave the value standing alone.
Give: 4h25
